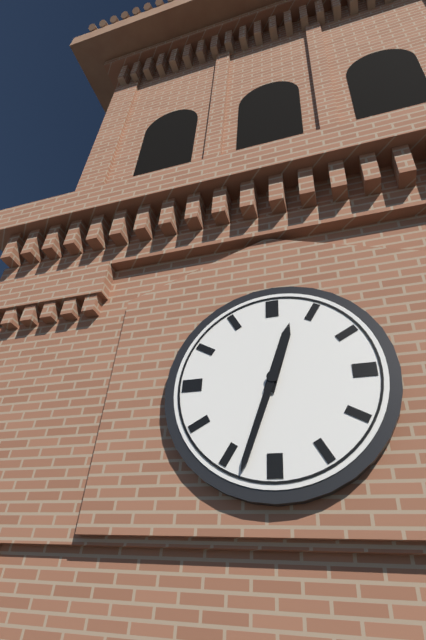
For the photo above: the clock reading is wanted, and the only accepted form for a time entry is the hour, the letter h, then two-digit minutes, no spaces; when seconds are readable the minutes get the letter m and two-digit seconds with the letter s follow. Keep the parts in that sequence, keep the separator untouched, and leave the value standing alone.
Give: 12h33
